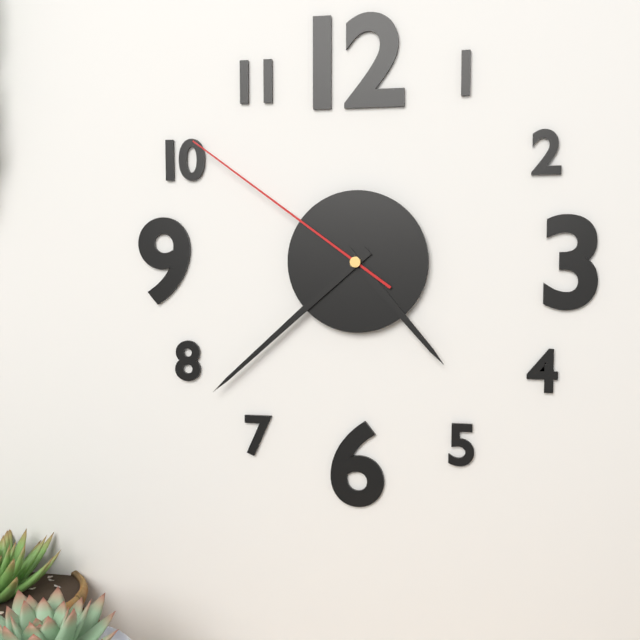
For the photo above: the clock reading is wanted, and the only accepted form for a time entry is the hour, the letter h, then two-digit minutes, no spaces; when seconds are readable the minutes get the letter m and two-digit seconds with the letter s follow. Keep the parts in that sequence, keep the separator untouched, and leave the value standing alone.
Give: 4h38m51s
